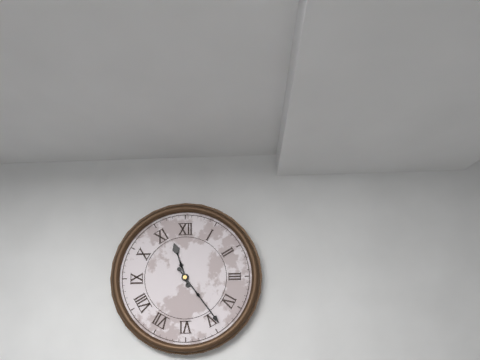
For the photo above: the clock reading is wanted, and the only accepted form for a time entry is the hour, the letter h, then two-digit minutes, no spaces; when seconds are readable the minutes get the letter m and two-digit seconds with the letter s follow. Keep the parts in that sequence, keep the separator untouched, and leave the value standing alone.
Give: 11h24
